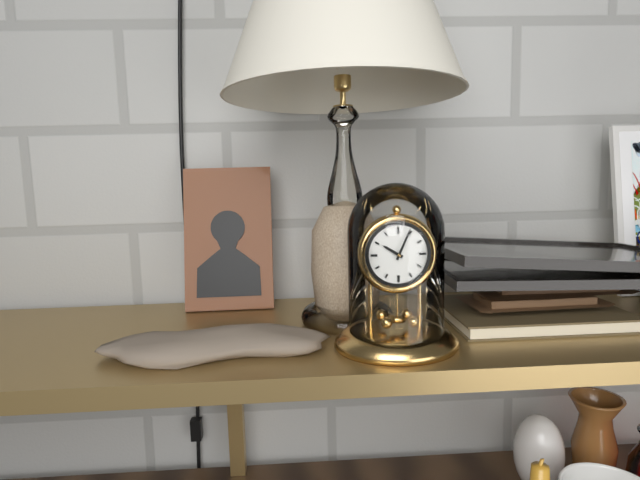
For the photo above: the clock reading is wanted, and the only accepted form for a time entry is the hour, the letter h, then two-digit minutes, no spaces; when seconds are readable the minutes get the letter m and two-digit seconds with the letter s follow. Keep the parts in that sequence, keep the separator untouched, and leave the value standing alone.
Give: 10h04
